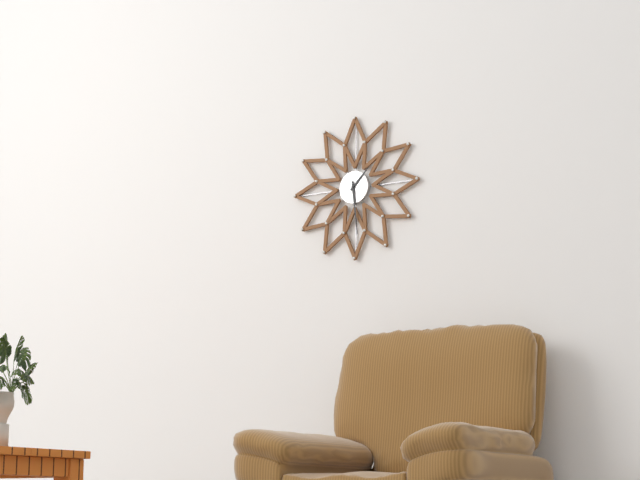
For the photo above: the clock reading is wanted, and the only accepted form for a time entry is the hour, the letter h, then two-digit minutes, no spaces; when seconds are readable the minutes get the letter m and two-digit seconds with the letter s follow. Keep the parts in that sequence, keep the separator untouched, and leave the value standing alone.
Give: 1h29
